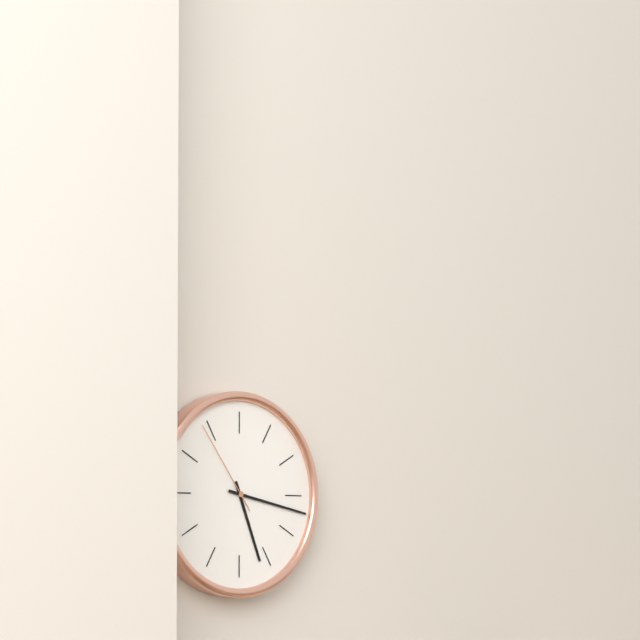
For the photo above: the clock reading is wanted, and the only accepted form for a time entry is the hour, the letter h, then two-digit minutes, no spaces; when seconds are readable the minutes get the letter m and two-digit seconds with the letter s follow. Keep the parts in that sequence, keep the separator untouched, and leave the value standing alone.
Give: 5h17m54s
